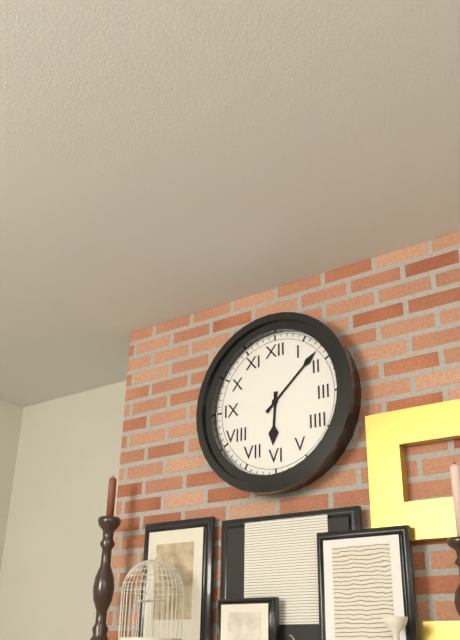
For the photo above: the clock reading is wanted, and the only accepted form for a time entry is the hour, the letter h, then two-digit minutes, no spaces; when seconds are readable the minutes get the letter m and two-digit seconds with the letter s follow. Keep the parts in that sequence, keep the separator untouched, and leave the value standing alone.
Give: 6h08
